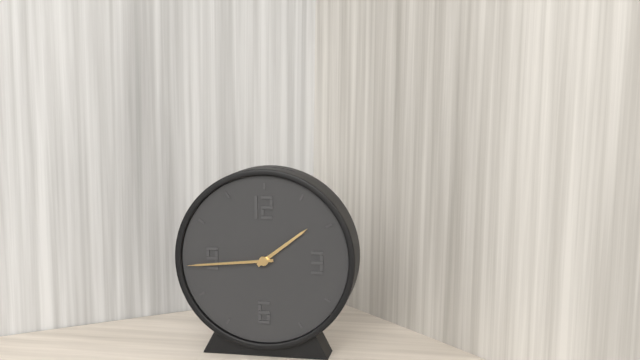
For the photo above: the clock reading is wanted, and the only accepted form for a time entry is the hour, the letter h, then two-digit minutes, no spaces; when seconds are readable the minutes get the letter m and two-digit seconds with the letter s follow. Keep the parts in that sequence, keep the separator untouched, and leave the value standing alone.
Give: 1h44
